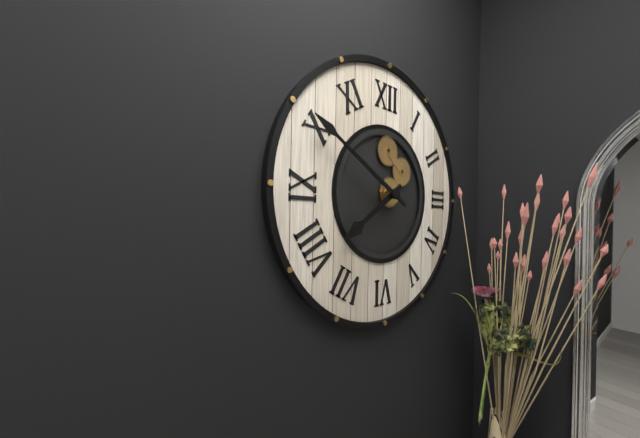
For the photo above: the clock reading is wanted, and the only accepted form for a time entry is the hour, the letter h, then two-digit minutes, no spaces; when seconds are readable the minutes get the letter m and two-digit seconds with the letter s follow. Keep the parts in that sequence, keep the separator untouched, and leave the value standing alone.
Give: 7h50
